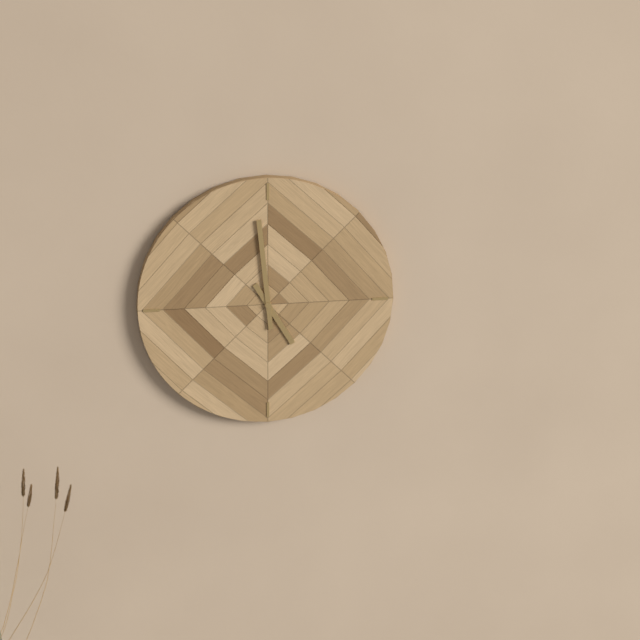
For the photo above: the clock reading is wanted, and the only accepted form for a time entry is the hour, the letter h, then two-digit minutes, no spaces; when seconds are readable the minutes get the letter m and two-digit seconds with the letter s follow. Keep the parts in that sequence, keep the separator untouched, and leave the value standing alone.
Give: 4h59
